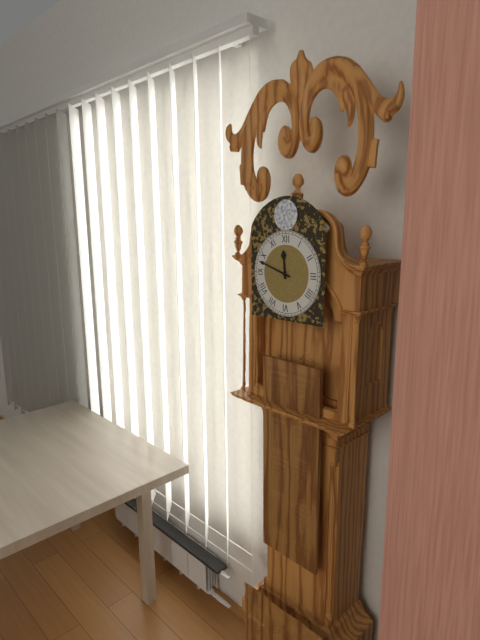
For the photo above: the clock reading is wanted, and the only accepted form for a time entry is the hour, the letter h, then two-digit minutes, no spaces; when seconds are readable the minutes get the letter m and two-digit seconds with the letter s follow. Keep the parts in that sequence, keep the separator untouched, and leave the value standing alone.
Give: 11h48
